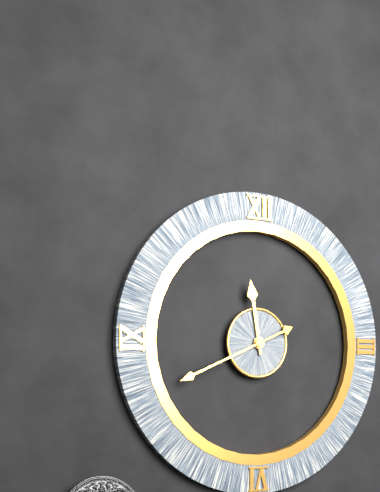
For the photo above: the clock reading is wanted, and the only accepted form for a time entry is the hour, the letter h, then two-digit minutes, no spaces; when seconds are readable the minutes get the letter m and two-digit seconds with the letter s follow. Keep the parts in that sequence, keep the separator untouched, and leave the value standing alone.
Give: 11h41
